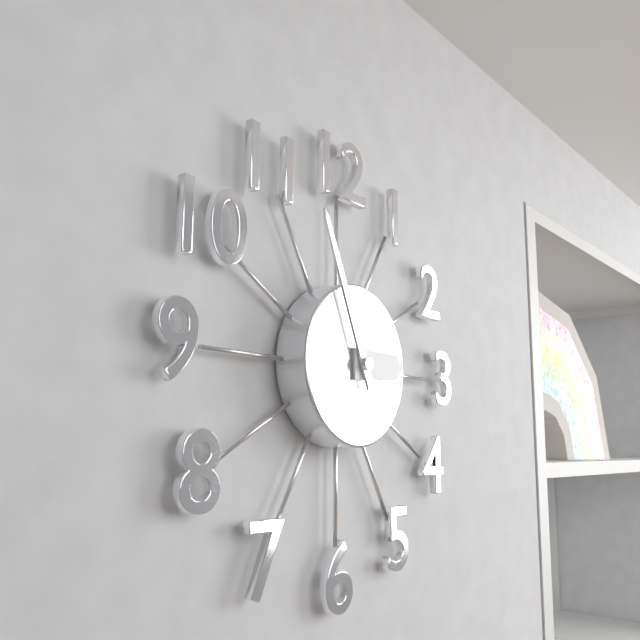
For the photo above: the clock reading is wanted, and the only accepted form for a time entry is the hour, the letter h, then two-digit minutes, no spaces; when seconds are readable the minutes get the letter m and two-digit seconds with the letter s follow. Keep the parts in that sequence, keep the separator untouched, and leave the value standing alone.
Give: 2h56
